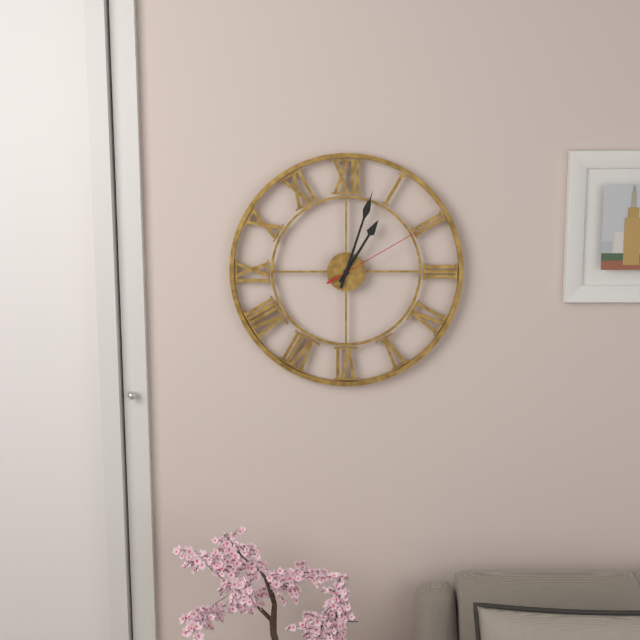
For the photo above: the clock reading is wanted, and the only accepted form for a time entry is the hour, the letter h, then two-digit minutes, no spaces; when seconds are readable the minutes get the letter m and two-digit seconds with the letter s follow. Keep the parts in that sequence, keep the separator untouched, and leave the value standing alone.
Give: 1h03m10s
